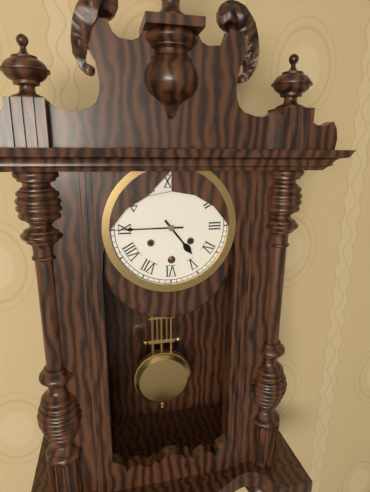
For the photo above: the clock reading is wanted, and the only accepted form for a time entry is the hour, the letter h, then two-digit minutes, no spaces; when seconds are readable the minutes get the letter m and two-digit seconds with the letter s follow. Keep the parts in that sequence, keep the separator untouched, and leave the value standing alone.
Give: 4h45
